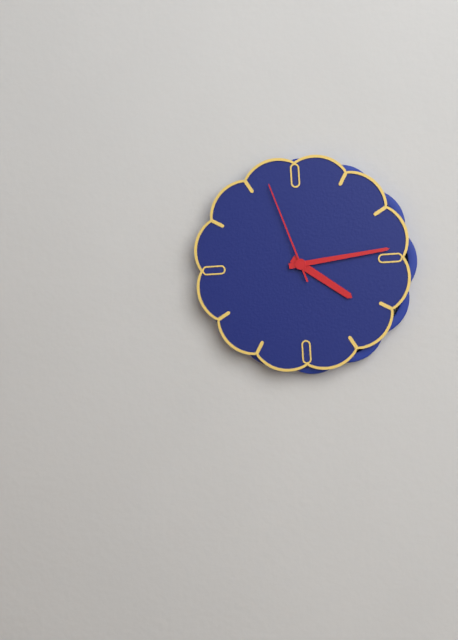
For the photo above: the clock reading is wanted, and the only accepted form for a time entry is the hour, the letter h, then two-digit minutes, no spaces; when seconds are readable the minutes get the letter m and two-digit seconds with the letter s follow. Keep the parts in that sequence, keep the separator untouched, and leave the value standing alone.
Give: 4h14m57s
